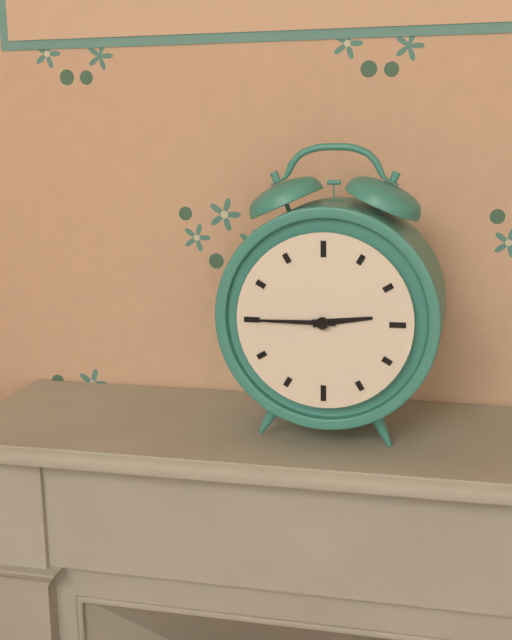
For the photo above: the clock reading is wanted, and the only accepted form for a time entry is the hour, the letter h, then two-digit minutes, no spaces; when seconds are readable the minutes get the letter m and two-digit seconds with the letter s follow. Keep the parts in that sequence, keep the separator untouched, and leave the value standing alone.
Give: 2h45
